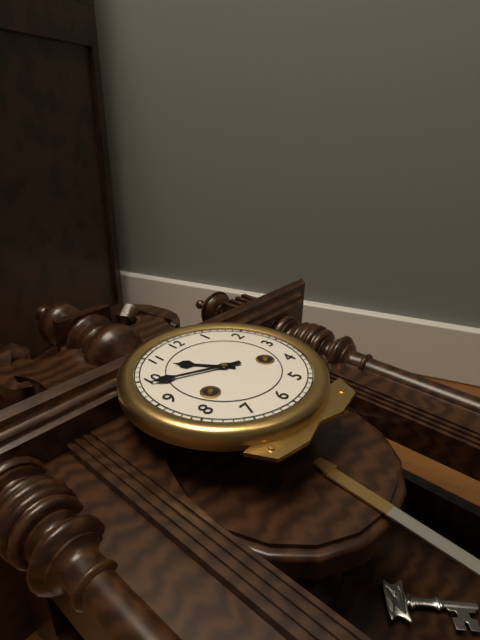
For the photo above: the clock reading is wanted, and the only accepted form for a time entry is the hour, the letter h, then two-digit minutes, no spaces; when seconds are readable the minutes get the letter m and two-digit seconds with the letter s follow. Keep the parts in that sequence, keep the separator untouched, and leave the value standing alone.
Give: 10h49
